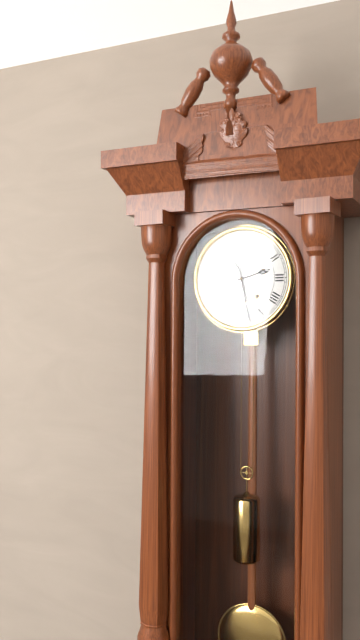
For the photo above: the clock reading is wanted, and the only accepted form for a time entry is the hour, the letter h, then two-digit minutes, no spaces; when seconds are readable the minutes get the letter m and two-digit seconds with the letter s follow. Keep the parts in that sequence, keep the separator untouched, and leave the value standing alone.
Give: 2h28
